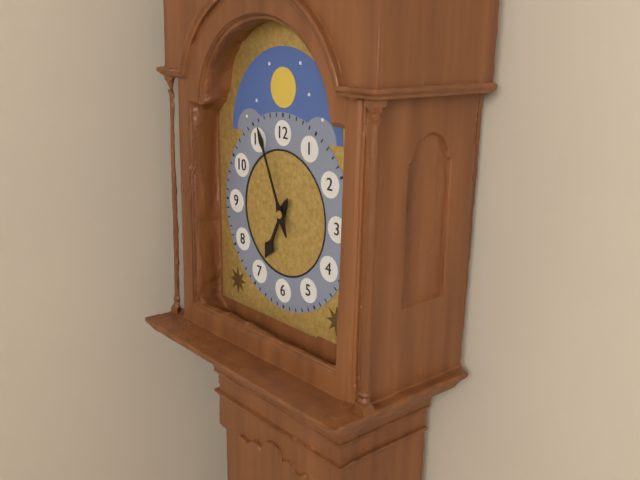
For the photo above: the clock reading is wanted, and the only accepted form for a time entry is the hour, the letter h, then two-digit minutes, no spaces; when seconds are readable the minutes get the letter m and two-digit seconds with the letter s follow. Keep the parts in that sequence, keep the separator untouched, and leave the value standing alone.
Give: 6h56
